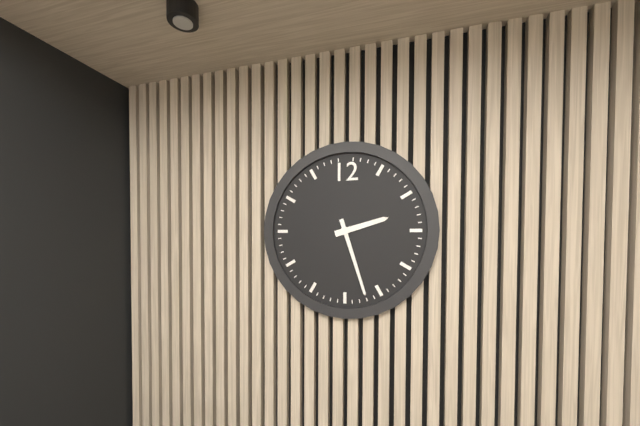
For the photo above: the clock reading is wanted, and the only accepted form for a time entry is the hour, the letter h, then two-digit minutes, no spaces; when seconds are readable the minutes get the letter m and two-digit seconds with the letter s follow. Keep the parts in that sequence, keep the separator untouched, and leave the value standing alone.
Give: 2h27
